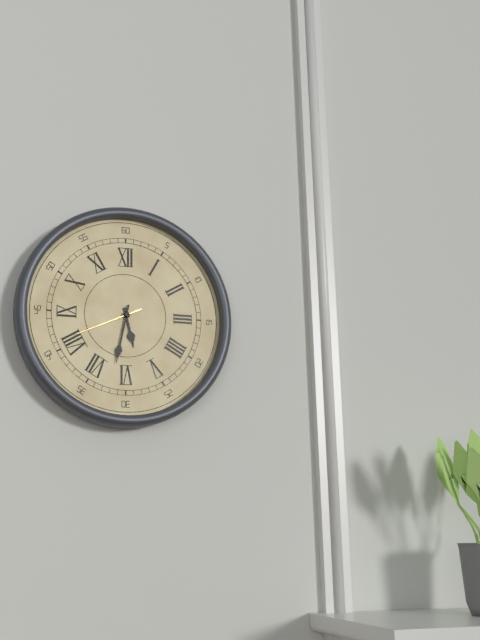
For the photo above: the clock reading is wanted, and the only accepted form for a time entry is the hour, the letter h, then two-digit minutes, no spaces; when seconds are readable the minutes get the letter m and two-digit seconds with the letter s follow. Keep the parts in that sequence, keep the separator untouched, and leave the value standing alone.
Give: 5h32m41s
